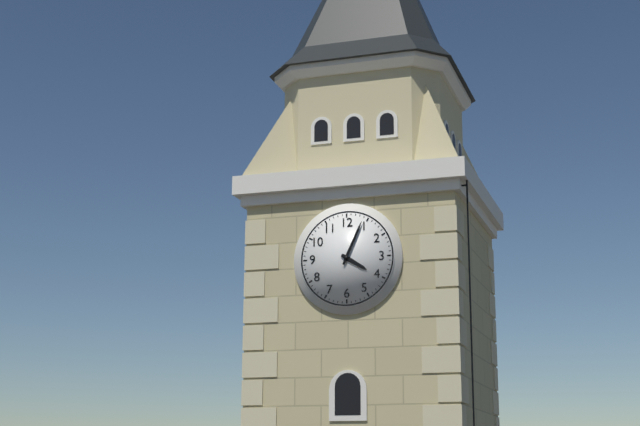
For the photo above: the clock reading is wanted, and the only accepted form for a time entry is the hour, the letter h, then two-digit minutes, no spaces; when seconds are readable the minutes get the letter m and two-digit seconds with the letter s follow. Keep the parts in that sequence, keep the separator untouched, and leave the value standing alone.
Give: 4h04
